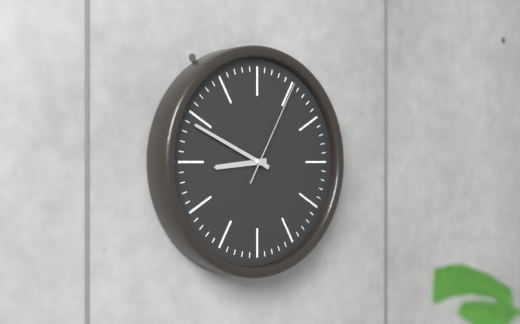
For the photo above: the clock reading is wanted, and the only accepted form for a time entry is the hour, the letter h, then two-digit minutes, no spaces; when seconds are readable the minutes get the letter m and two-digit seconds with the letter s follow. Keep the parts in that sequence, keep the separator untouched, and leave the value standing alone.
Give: 8h49m05s
